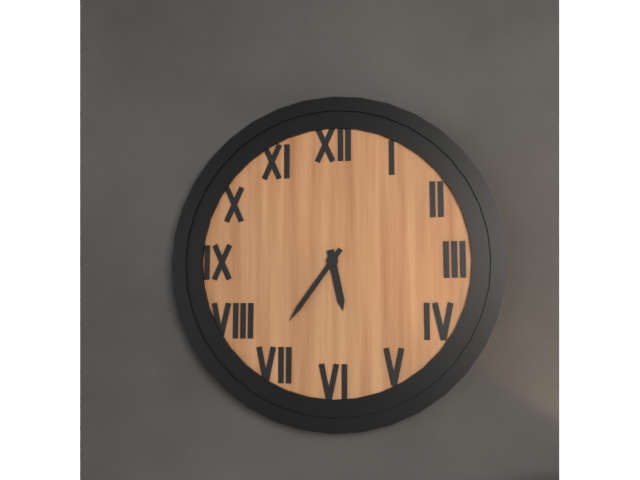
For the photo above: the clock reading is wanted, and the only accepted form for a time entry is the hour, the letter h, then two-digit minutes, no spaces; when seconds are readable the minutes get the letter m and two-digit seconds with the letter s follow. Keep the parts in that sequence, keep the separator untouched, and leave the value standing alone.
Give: 5h36
